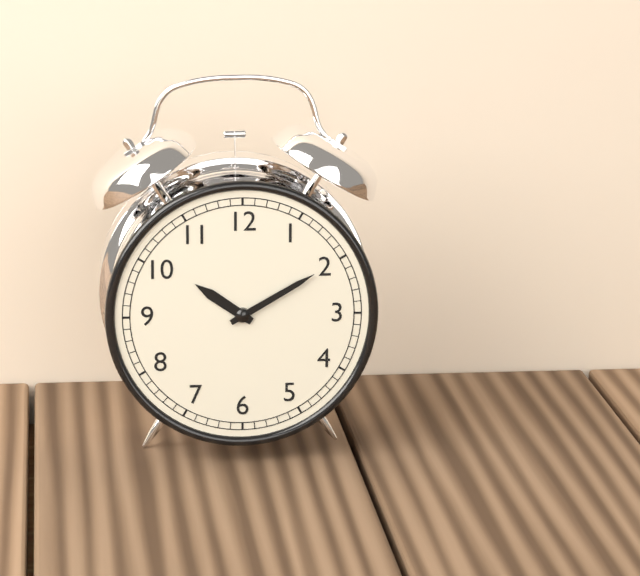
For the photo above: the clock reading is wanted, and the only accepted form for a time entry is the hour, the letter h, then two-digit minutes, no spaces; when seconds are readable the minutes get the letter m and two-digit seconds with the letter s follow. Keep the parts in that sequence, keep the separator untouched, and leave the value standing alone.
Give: 10h10
